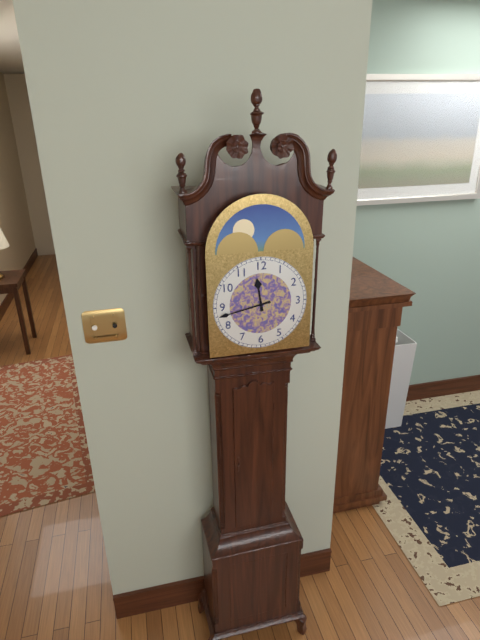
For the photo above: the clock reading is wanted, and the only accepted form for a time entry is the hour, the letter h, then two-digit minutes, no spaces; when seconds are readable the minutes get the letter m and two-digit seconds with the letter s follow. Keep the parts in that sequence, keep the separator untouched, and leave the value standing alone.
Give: 11h43
